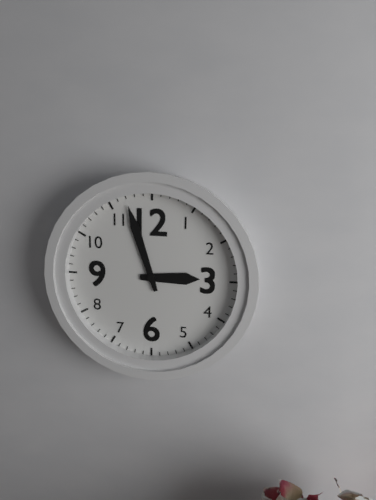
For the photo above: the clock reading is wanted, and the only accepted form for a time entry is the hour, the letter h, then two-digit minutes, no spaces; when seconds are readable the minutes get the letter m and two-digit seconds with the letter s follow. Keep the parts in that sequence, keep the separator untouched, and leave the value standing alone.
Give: 2h57
